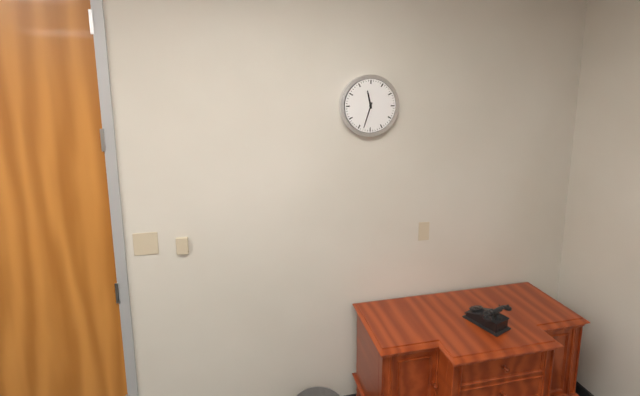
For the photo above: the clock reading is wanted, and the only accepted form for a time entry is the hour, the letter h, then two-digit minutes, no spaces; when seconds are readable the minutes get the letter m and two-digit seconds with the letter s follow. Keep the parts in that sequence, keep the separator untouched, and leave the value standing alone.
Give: 11h33
